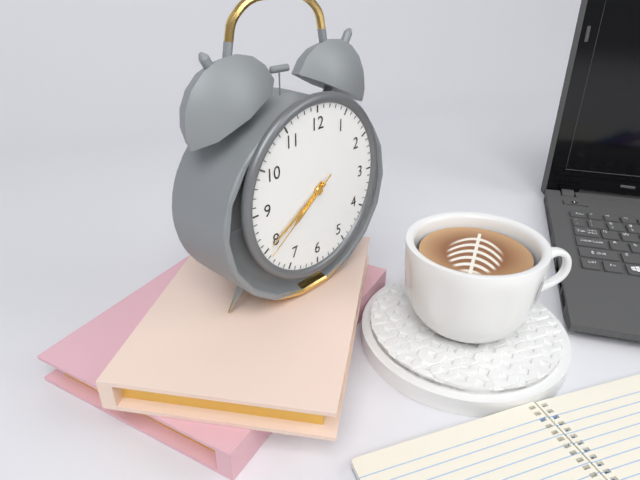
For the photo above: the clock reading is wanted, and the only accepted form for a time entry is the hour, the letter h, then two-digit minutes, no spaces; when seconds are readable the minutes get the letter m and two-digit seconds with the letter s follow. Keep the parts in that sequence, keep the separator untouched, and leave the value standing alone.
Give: 7h40m39s
